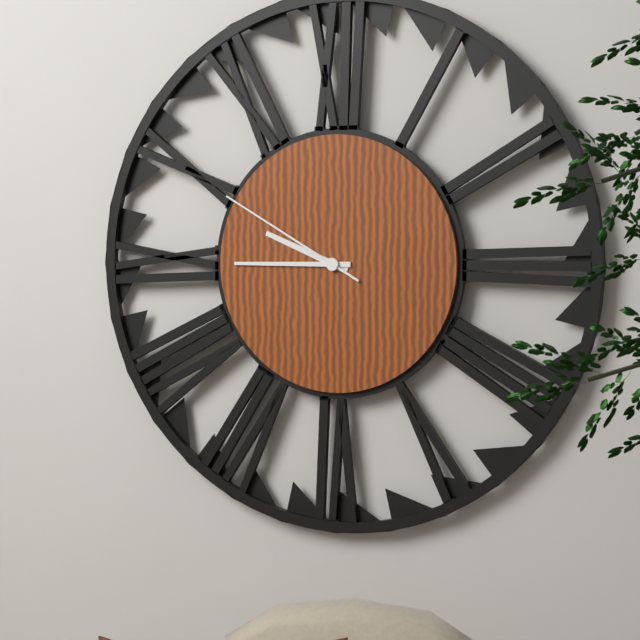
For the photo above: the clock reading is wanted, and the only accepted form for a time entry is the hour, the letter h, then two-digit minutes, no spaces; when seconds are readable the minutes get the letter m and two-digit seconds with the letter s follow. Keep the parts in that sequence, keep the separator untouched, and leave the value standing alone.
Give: 9h45m50s
